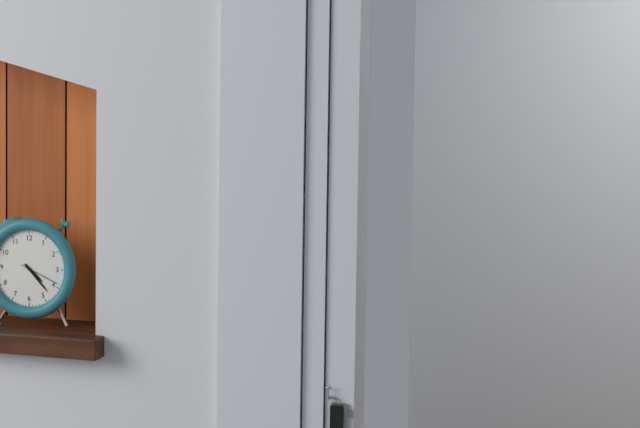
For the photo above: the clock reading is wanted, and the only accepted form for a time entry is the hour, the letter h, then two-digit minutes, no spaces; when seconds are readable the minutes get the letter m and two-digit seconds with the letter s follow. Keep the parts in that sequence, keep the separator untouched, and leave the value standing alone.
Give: 4h23
